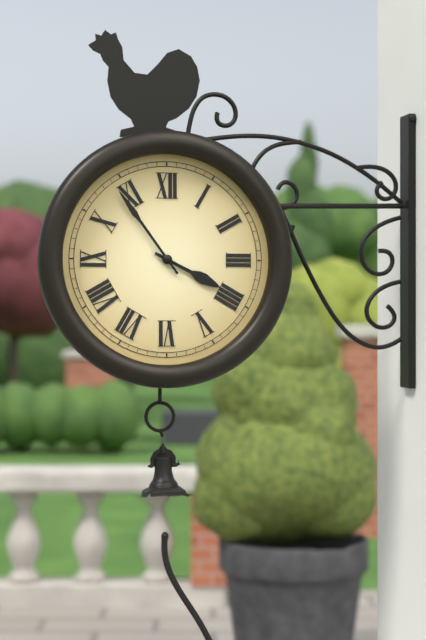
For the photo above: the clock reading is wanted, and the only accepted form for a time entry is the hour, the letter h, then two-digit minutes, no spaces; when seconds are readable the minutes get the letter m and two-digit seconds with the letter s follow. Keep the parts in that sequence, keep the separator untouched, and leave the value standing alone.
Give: 3h54
